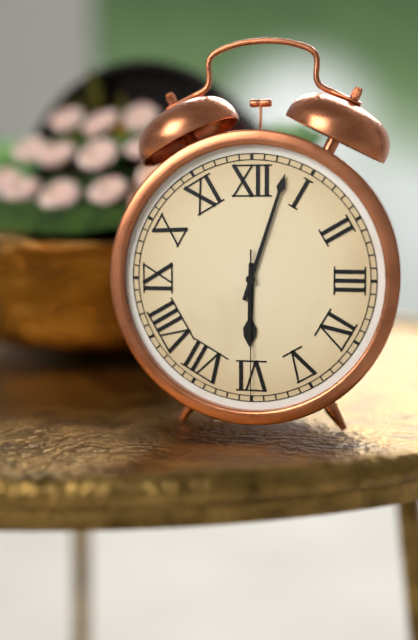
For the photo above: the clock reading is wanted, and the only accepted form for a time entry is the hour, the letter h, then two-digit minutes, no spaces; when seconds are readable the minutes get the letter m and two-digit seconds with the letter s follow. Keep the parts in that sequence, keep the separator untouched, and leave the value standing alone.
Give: 6h03m30s
